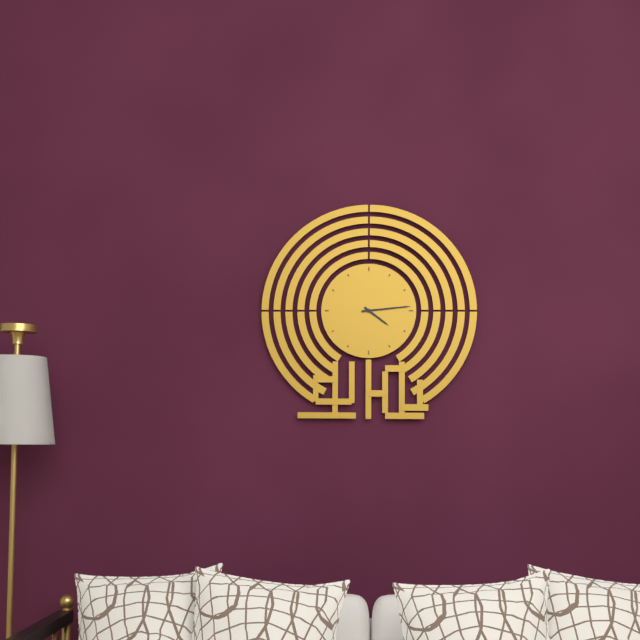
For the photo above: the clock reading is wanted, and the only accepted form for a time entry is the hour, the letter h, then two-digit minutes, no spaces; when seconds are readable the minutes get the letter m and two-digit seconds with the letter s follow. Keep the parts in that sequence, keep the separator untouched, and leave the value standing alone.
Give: 4h14
